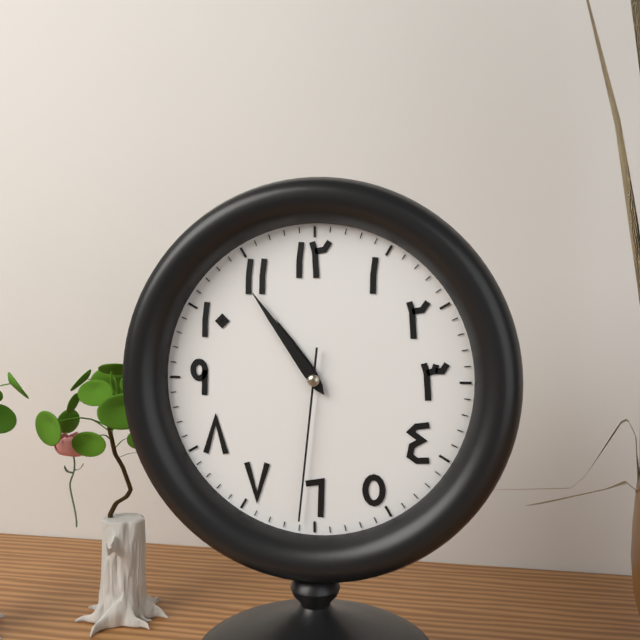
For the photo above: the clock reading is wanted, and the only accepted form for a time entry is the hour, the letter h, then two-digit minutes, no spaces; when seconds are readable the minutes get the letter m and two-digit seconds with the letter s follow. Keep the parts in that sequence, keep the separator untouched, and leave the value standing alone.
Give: 10h54m31s
